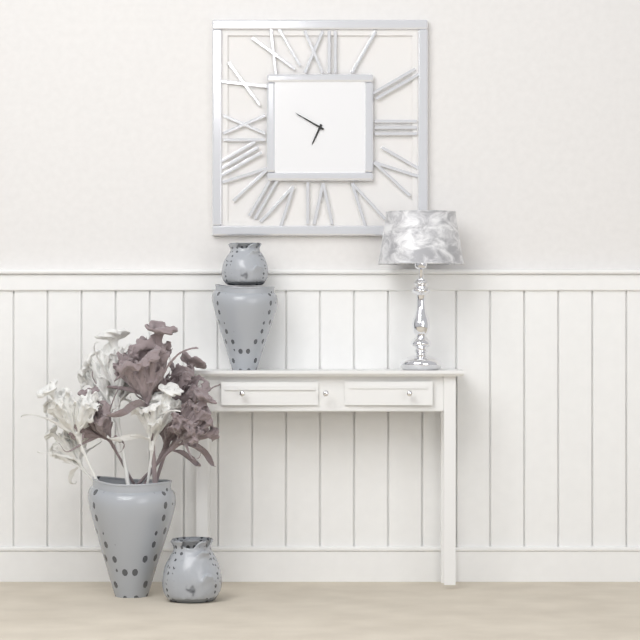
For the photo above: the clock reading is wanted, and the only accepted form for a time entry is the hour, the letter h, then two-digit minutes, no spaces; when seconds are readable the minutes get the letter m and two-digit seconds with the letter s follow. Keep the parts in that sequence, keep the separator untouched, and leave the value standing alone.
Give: 6h50
